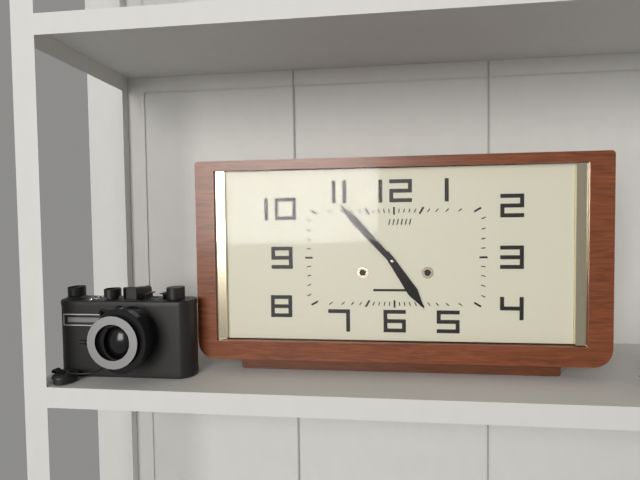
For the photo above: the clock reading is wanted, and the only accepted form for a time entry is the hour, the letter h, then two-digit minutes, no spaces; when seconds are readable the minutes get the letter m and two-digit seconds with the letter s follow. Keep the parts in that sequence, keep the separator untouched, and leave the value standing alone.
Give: 4h53
